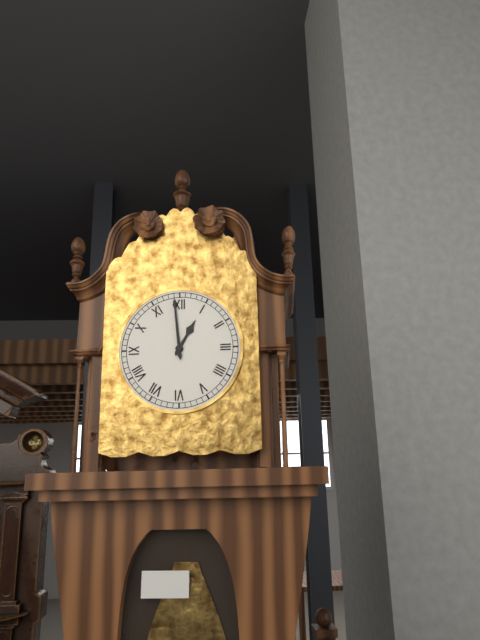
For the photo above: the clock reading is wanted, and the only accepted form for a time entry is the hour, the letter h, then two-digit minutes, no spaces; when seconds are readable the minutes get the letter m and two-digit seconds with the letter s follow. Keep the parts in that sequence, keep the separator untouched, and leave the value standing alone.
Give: 12h59
